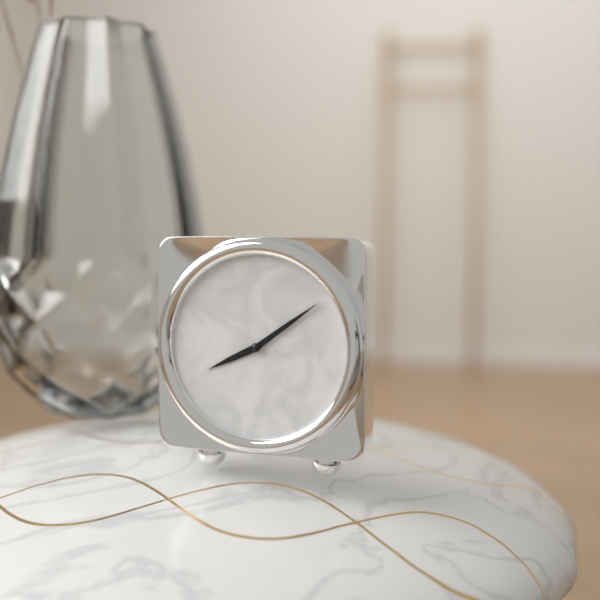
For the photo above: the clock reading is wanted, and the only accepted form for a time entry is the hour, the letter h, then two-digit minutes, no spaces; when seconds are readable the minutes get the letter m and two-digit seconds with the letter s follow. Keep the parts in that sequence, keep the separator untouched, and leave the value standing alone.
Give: 8h09
